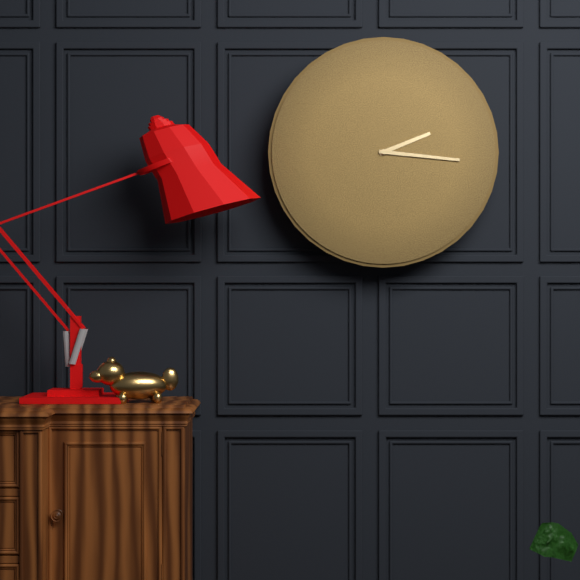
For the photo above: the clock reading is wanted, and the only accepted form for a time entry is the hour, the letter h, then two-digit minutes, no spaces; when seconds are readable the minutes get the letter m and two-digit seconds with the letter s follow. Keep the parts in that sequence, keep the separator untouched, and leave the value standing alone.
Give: 2h16
